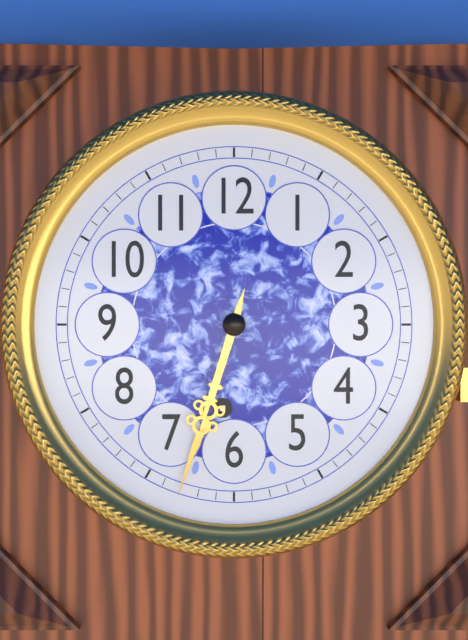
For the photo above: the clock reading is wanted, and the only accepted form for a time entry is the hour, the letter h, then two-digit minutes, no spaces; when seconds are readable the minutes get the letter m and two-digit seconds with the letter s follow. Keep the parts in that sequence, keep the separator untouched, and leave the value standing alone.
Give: 6h33
